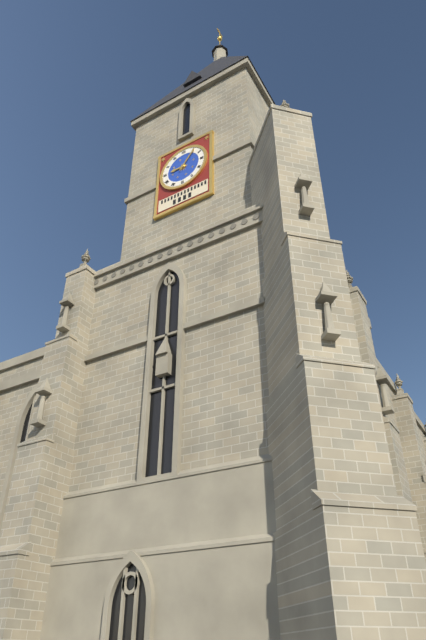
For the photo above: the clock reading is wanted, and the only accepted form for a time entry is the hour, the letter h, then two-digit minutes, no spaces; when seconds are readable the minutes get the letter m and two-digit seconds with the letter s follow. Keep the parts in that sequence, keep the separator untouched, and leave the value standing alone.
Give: 9h06
